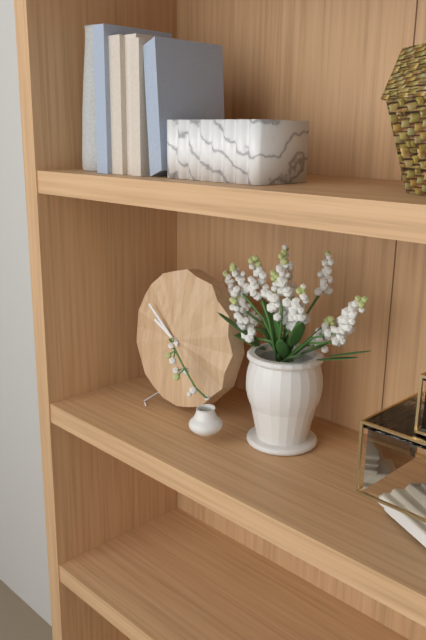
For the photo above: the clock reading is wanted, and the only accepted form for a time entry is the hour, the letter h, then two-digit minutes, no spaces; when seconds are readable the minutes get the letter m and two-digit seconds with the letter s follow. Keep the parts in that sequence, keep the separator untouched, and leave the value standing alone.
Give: 9h51
